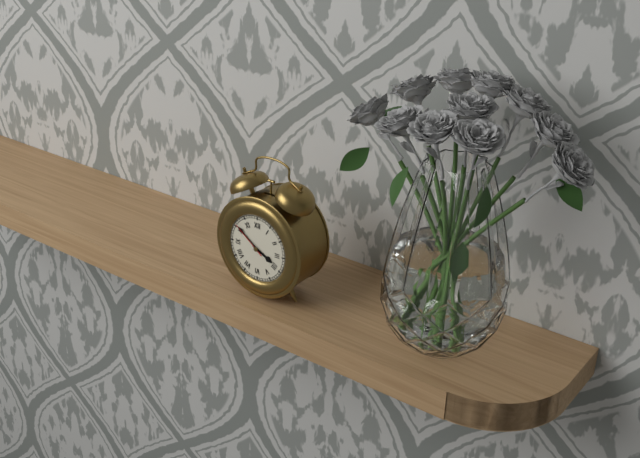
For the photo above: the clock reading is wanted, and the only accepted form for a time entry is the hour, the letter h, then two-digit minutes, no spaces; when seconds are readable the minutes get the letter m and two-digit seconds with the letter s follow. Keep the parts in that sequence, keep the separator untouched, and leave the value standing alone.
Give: 3h51
